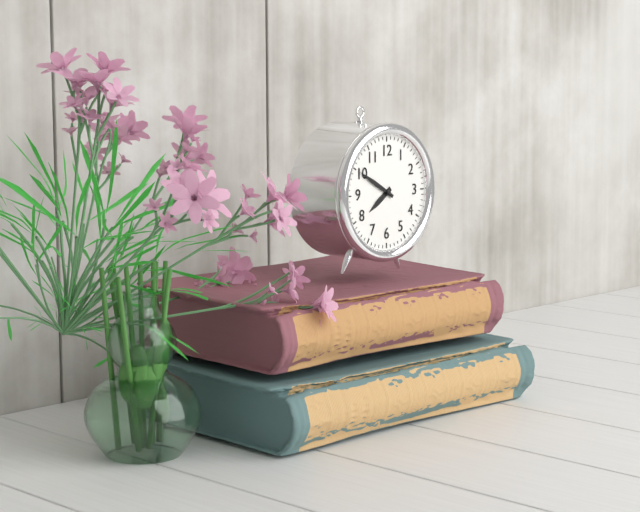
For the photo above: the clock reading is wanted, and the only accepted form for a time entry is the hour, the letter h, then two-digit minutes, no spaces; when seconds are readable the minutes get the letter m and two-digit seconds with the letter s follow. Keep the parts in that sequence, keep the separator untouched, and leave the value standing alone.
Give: 7h50
